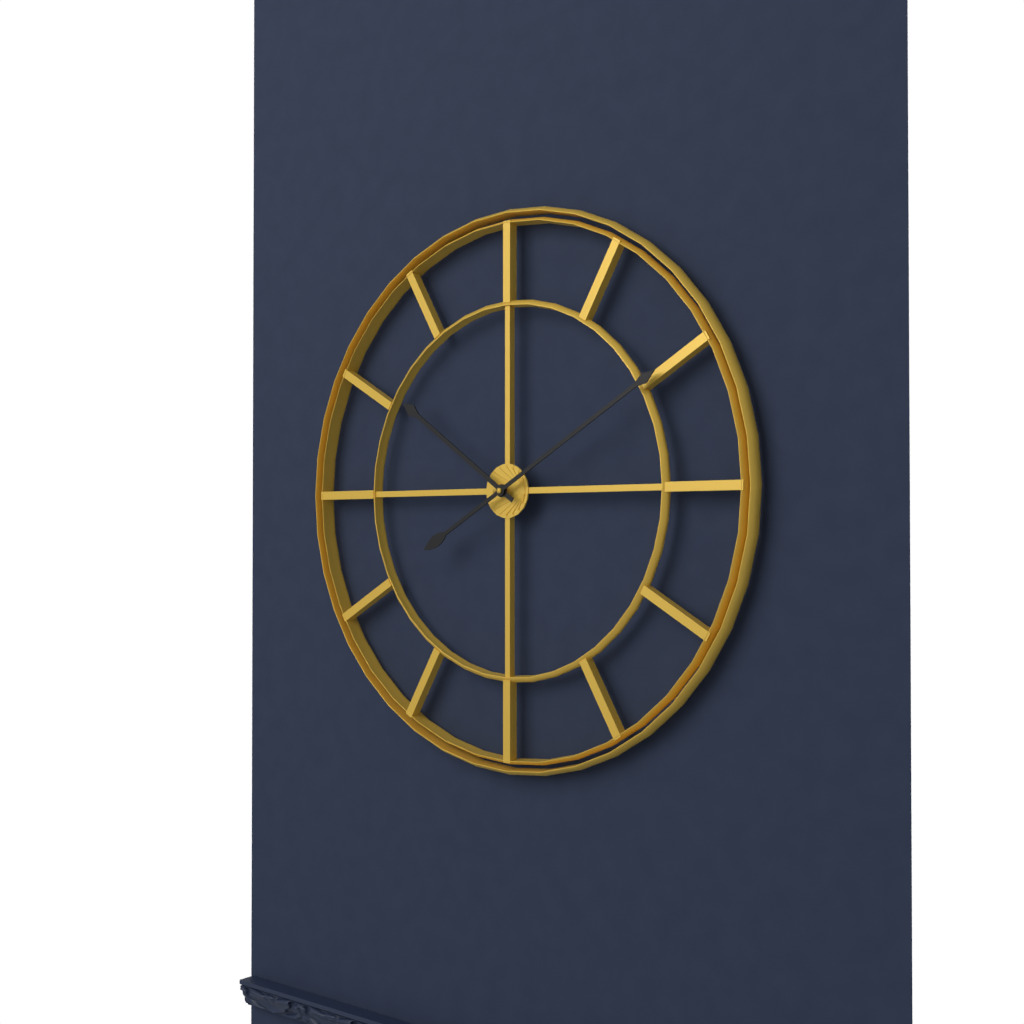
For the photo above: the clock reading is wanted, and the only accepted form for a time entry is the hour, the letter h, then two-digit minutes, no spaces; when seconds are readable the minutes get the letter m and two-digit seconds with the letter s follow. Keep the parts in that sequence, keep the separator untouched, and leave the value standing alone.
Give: 10h10
